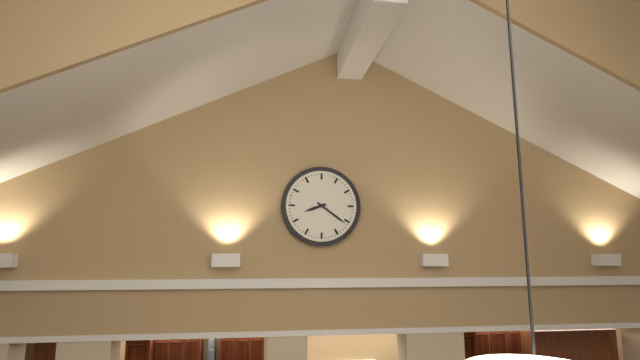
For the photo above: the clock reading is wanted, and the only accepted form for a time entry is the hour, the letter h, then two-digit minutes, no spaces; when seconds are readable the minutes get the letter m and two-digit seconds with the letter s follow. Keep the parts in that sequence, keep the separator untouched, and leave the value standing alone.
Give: 8h21
